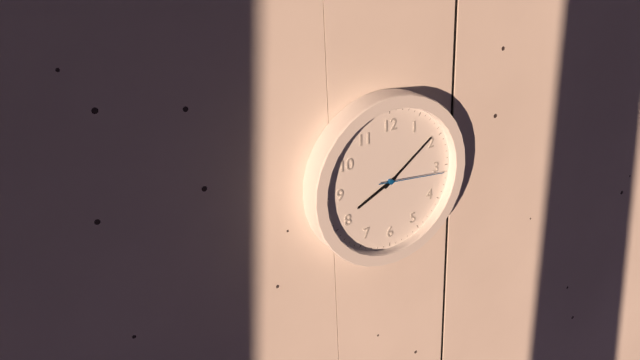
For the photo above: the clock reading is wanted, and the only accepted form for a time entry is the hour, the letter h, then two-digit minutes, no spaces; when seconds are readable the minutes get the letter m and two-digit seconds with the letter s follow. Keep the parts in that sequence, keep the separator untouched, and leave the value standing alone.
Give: 8h09m16s
